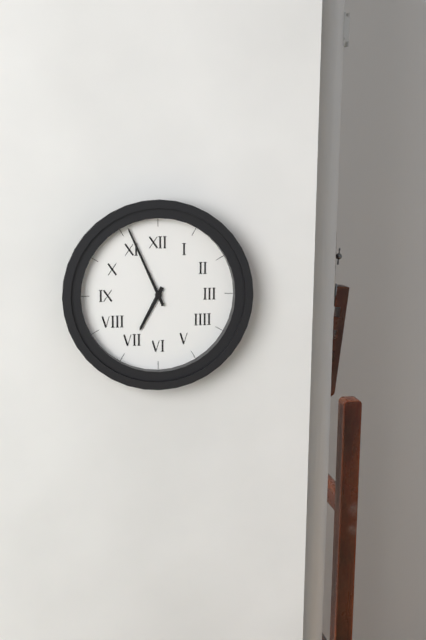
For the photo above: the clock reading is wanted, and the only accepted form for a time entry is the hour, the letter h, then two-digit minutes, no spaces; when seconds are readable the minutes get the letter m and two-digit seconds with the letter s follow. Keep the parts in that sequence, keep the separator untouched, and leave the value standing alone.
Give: 6h56
